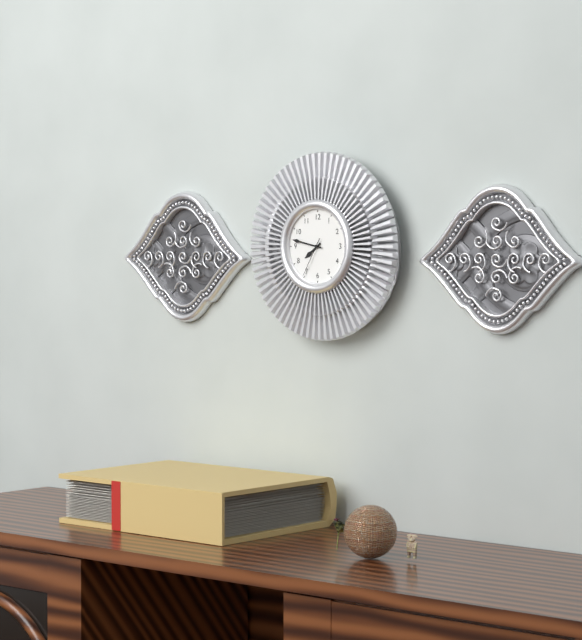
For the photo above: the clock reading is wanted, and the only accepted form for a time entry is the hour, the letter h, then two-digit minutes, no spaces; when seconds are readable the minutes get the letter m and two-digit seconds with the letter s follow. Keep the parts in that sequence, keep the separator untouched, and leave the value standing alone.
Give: 7h47
